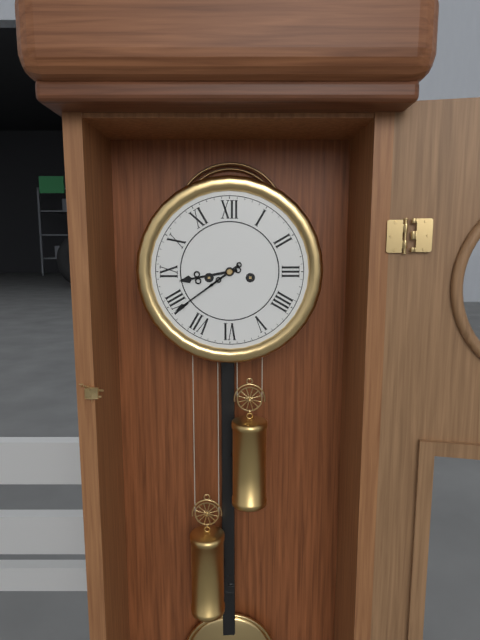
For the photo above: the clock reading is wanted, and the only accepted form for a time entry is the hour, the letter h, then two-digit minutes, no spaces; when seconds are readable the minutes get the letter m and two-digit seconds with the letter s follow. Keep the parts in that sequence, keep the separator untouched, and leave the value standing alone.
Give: 8h39
